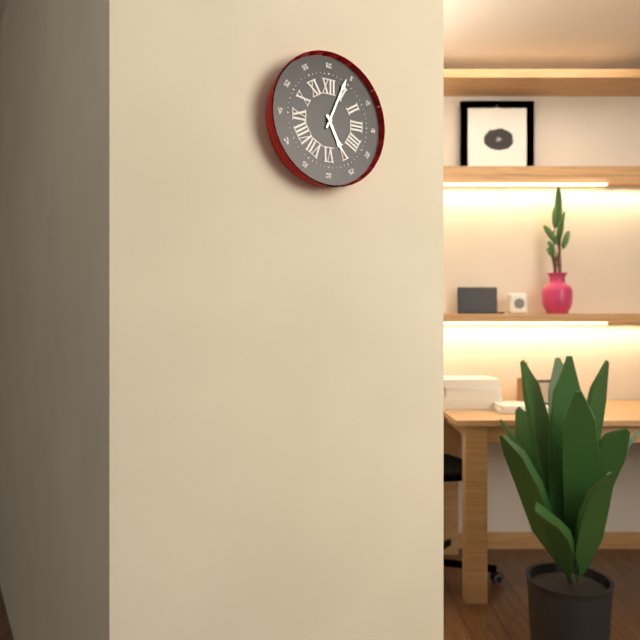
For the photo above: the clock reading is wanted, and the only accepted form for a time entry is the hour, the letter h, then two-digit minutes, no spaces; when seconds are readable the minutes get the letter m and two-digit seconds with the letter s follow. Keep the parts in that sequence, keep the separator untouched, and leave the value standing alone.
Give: 5h04
